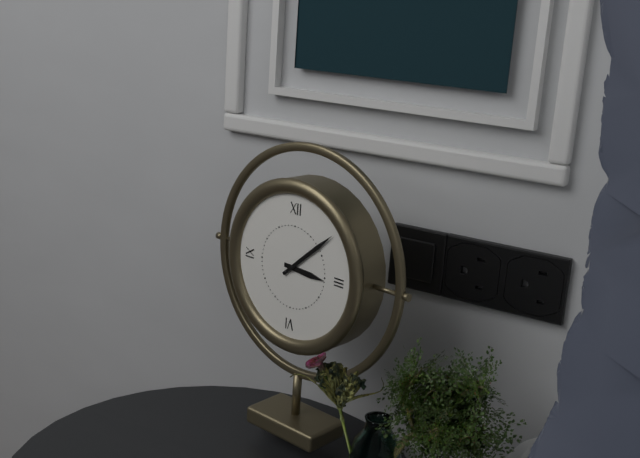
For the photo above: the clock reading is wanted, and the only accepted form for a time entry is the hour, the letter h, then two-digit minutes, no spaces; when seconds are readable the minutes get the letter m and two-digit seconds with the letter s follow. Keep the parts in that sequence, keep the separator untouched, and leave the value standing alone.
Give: 3h08
